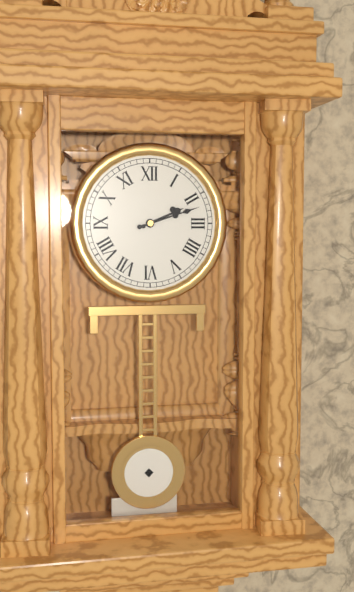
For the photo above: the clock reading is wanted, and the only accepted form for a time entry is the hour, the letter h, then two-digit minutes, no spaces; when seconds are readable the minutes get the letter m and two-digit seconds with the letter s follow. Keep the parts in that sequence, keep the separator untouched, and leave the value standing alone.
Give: 2h12
